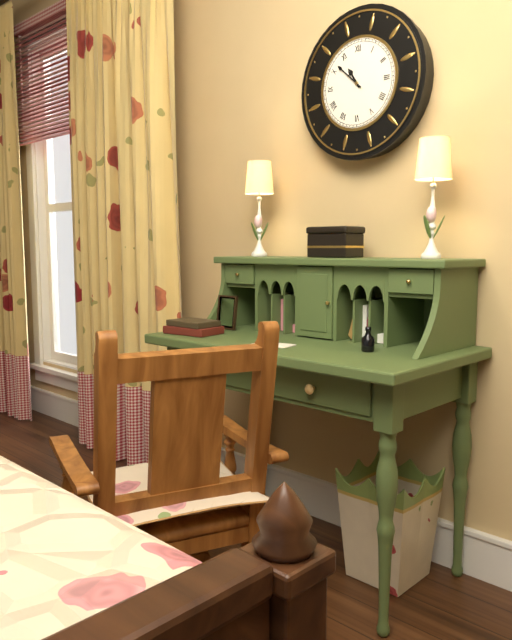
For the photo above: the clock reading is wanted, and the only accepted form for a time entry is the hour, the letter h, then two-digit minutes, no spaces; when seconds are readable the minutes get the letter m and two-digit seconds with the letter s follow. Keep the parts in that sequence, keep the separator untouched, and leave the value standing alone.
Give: 10h52
